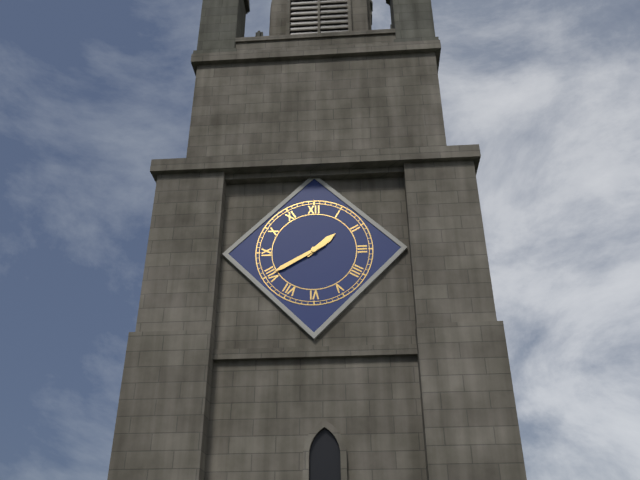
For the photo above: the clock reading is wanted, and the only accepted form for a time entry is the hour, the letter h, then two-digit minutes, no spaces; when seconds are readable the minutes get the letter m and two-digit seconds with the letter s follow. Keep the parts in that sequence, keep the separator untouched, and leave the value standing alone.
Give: 1h40
